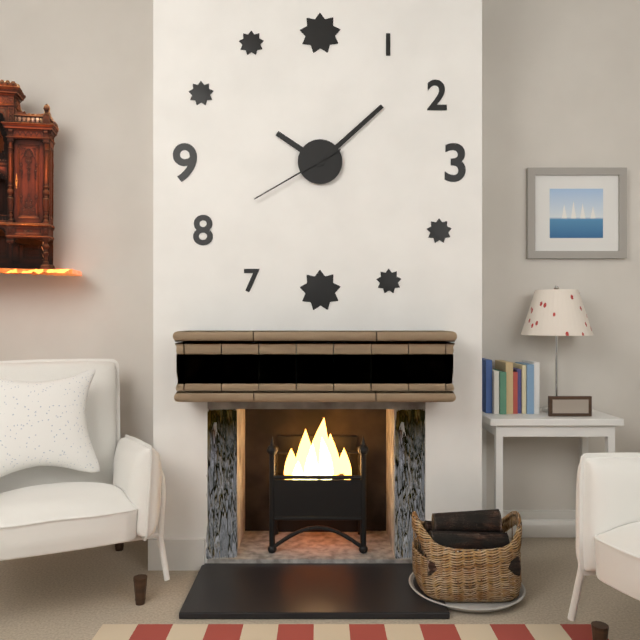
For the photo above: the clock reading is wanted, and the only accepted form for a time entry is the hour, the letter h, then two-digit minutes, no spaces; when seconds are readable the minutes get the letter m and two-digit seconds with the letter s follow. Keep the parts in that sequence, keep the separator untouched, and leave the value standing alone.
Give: 10h08m40s
